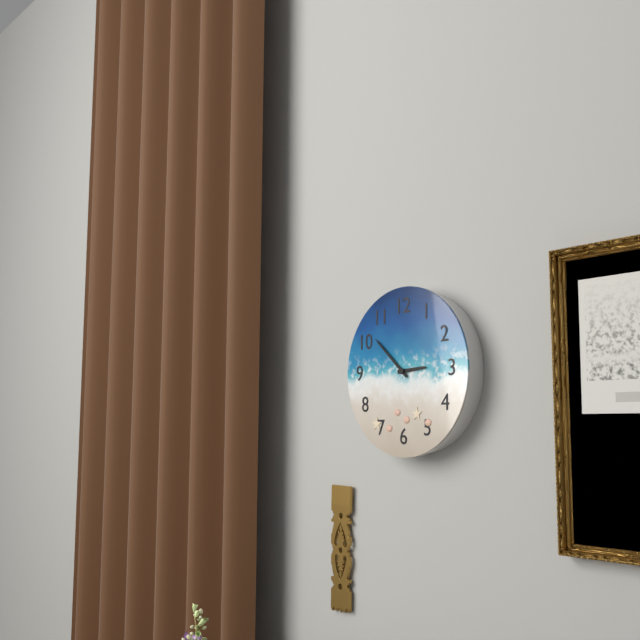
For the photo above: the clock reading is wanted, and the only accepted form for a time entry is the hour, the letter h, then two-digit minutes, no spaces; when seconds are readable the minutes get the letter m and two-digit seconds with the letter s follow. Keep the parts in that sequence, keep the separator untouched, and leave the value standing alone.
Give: 2h52
